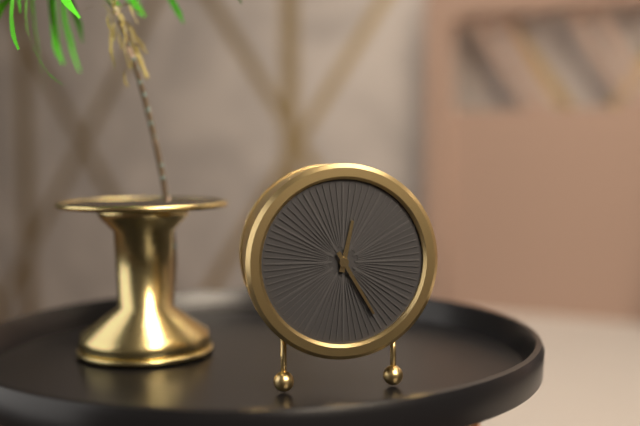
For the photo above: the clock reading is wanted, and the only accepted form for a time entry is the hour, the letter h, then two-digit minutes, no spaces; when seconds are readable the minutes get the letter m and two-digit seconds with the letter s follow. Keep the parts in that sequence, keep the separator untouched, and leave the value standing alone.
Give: 12h25
